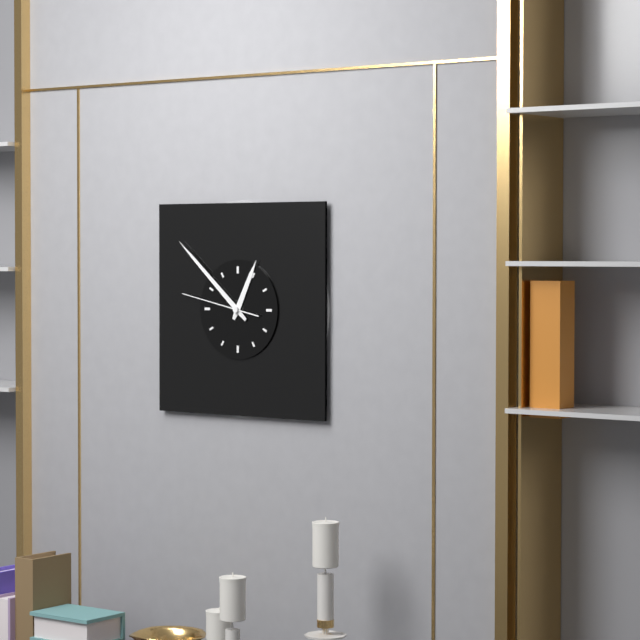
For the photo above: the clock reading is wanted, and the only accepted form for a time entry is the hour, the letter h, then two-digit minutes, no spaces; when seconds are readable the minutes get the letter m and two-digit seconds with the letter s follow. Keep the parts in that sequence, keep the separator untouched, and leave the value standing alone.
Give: 12h52m47s
